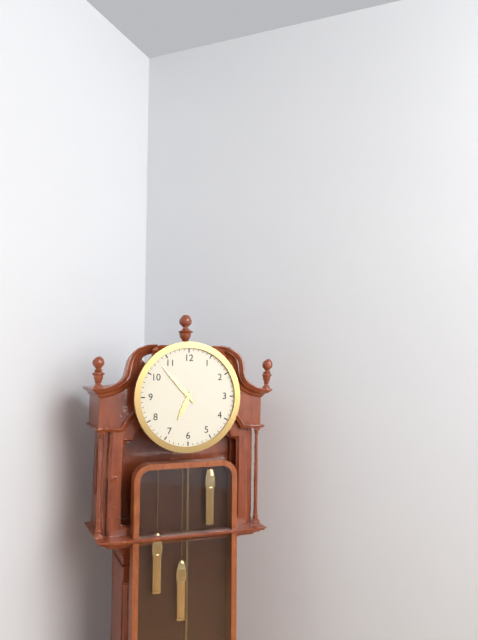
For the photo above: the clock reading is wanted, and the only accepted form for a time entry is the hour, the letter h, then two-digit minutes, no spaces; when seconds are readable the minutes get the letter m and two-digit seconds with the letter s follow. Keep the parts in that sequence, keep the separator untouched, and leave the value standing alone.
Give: 6h53
